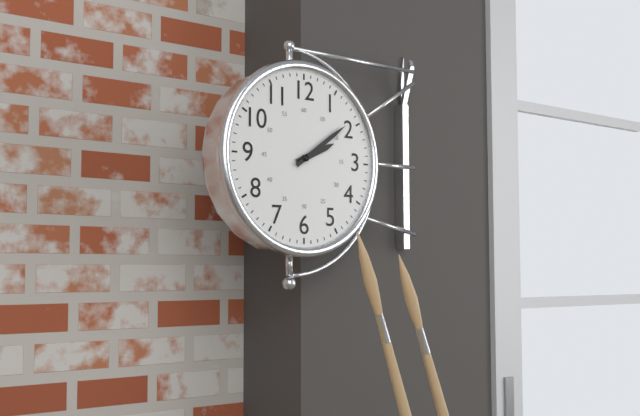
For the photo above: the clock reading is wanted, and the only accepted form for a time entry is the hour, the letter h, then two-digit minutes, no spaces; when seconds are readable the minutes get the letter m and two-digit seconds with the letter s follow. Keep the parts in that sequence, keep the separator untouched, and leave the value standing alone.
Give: 2h09
